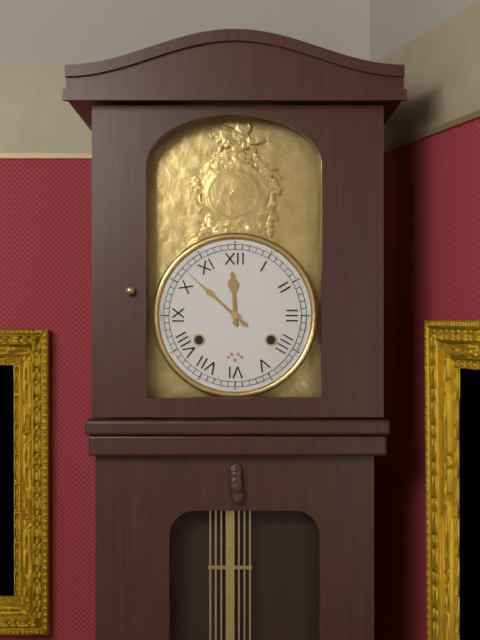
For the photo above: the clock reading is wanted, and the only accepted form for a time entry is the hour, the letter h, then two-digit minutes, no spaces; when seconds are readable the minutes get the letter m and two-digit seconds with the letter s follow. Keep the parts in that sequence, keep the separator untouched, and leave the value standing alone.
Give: 11h52
